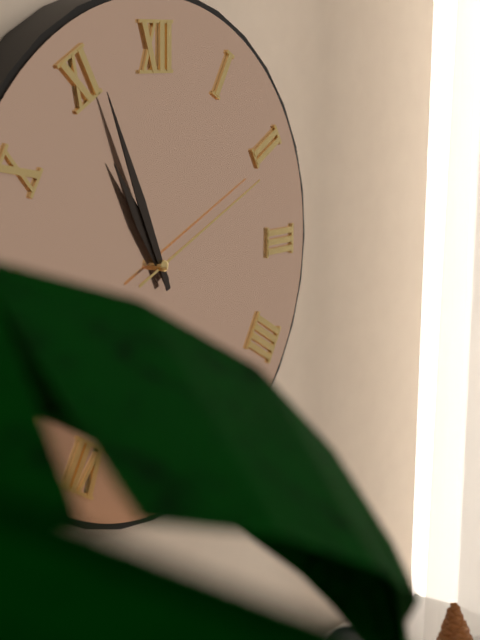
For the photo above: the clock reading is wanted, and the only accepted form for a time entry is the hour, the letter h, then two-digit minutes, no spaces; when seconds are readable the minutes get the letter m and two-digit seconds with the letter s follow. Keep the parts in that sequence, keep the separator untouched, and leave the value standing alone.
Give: 10h56m11s
